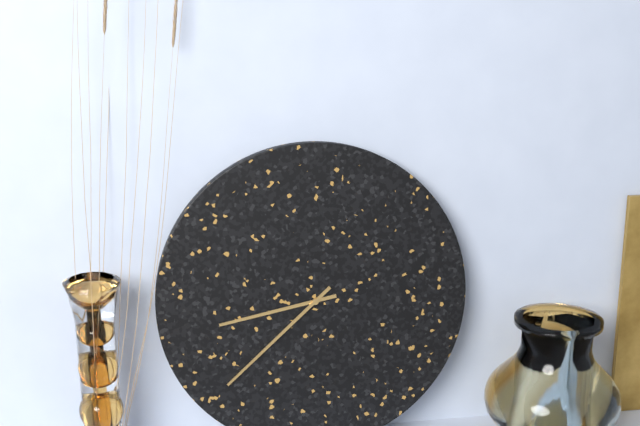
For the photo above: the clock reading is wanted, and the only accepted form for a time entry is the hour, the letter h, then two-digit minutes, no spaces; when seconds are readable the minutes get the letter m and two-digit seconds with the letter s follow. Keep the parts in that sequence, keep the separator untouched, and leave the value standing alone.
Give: 8h38
